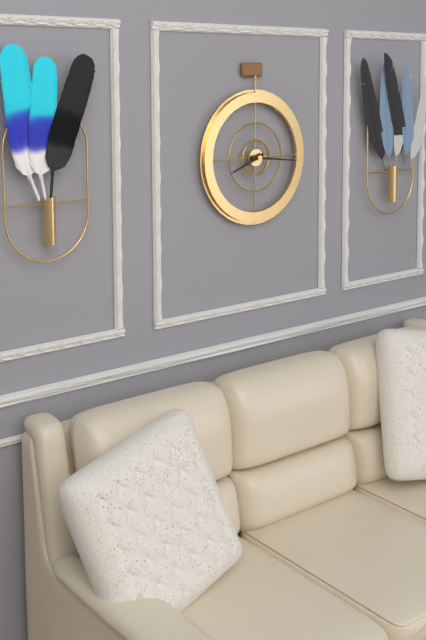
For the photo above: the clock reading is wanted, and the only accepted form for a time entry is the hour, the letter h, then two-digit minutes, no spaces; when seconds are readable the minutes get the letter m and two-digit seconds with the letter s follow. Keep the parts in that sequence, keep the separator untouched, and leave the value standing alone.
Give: 8h16
